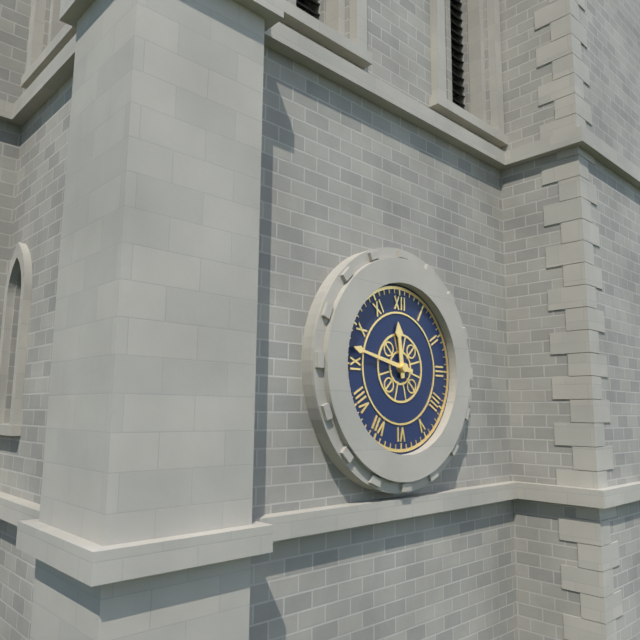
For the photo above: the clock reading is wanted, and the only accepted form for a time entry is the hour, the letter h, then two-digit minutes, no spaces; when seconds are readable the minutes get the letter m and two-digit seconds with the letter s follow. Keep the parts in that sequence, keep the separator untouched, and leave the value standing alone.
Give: 11h47
